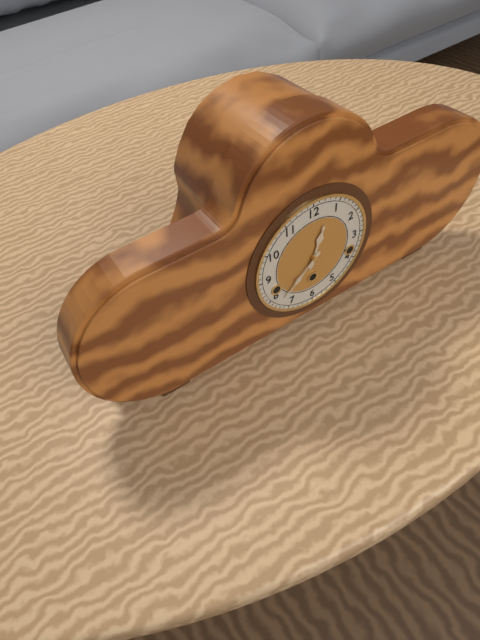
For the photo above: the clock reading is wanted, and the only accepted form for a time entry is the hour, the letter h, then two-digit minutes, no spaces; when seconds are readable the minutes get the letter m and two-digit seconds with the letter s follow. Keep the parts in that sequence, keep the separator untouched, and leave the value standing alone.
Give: 12h38
